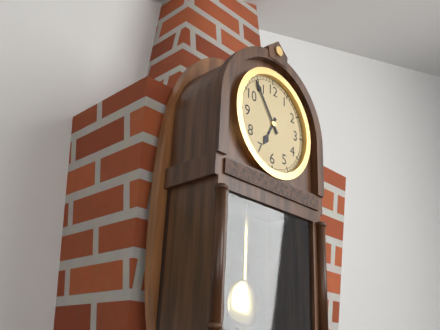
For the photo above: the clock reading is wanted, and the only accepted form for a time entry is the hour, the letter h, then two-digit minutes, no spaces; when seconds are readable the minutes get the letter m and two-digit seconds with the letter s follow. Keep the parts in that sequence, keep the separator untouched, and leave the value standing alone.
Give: 6h54
